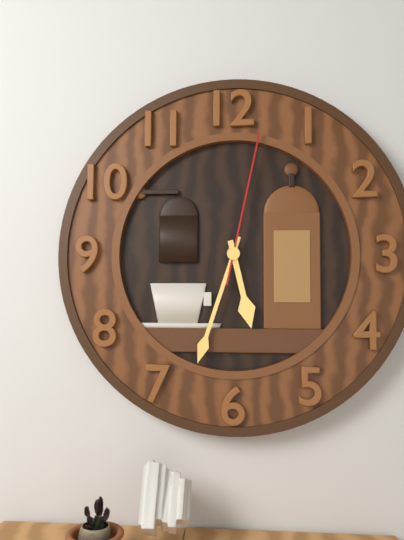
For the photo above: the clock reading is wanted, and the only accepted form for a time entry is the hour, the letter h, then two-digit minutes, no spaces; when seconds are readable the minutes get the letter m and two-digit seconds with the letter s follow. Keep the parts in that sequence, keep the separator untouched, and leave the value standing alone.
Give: 5h33m02s
